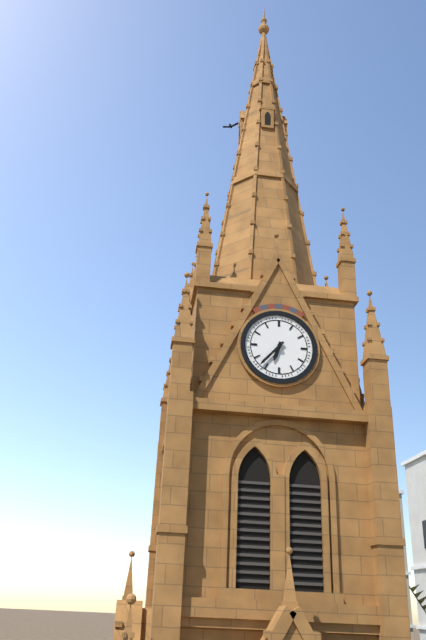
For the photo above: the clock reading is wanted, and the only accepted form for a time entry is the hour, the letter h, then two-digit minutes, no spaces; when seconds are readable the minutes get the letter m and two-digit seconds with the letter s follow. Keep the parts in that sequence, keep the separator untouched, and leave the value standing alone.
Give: 6h37
